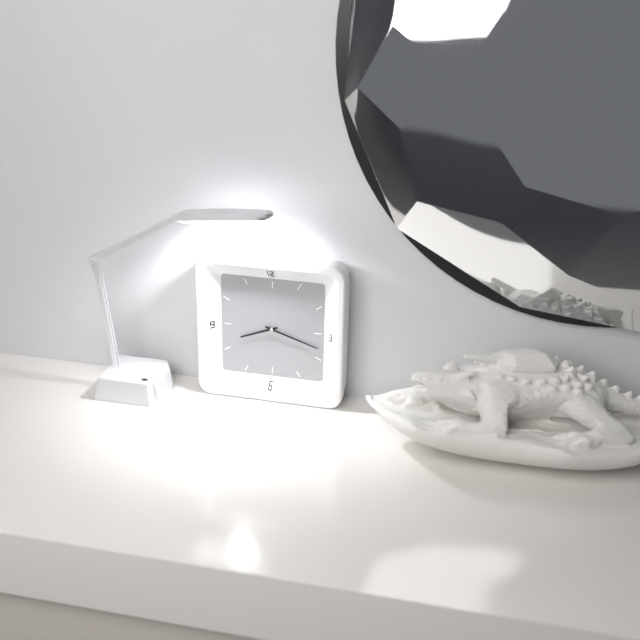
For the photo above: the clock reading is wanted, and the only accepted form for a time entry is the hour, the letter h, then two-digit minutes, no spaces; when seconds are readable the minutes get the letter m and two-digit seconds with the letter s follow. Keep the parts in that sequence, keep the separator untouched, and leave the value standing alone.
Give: 8h18
